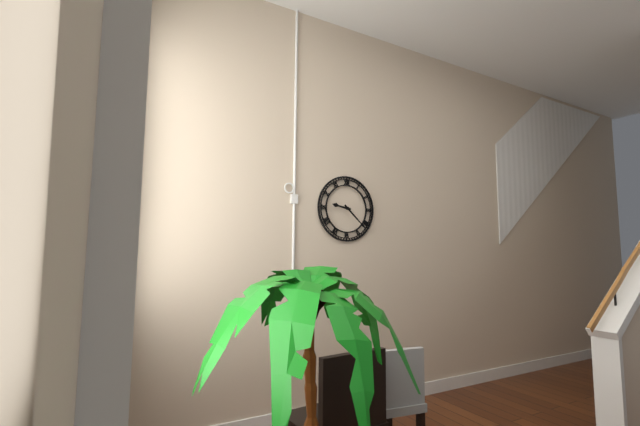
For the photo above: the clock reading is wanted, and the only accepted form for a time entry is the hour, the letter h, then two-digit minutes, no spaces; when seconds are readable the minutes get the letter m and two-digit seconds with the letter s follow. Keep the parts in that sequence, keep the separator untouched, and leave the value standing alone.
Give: 9h22
